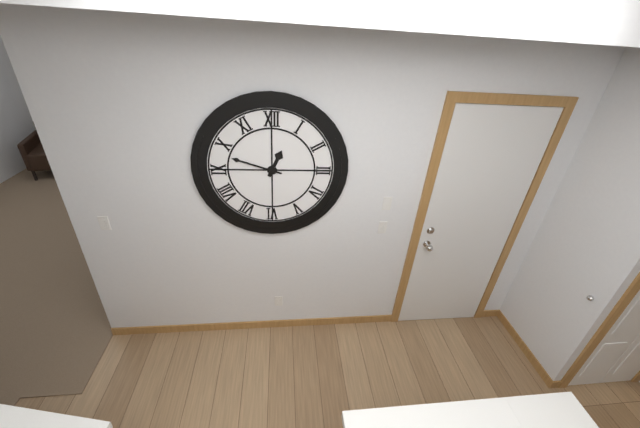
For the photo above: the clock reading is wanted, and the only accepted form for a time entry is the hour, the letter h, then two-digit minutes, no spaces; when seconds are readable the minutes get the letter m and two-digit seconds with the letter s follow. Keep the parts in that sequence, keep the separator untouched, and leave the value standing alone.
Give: 12h48
